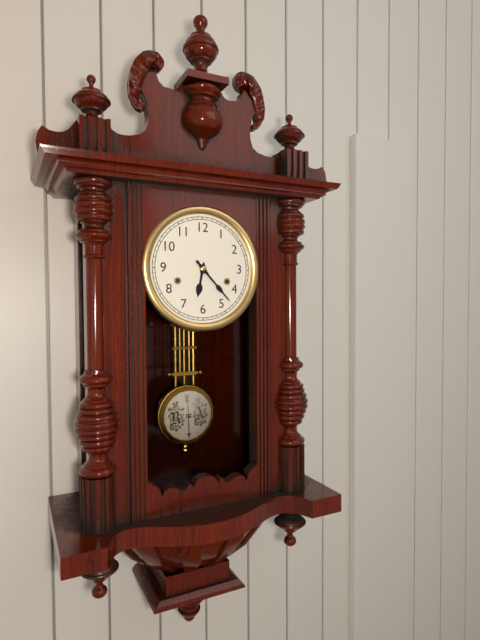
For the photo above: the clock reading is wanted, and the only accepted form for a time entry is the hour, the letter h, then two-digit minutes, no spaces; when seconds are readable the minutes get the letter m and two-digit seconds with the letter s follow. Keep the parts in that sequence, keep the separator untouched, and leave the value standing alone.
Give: 6h23
